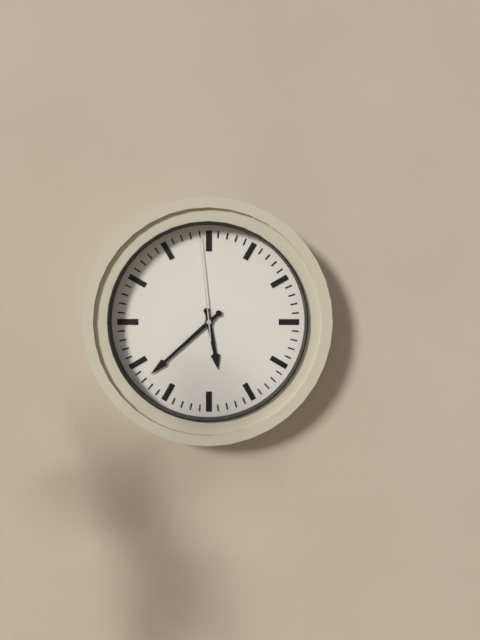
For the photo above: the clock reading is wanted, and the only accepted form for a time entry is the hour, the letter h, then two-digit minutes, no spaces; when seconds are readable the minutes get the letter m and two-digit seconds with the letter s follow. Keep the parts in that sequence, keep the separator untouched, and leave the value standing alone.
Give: 5h38m59s
